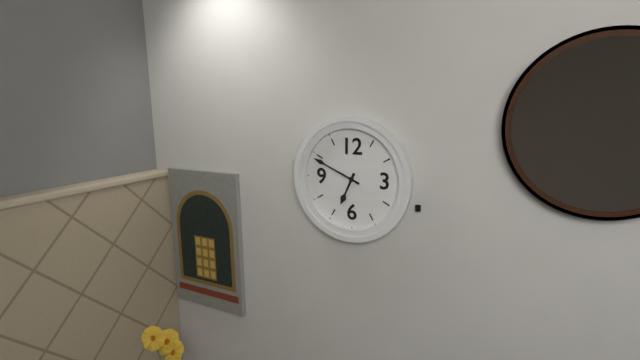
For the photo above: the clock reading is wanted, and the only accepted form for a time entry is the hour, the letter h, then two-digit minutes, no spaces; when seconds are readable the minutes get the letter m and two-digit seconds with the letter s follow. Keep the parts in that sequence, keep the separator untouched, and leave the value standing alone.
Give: 6h49
